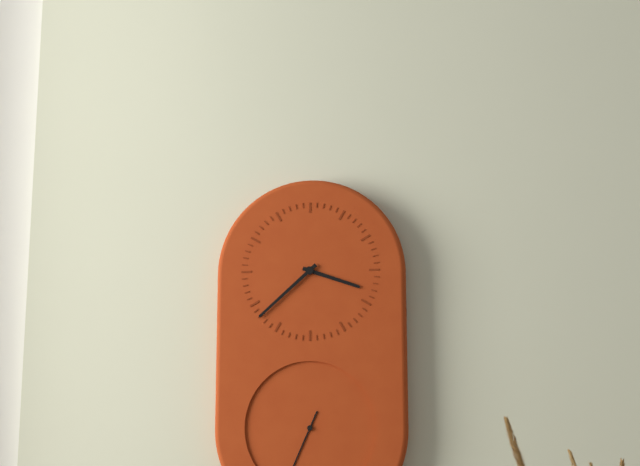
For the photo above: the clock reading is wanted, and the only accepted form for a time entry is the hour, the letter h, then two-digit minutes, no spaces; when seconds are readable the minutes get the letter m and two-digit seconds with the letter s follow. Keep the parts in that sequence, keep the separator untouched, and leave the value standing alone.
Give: 3h38
